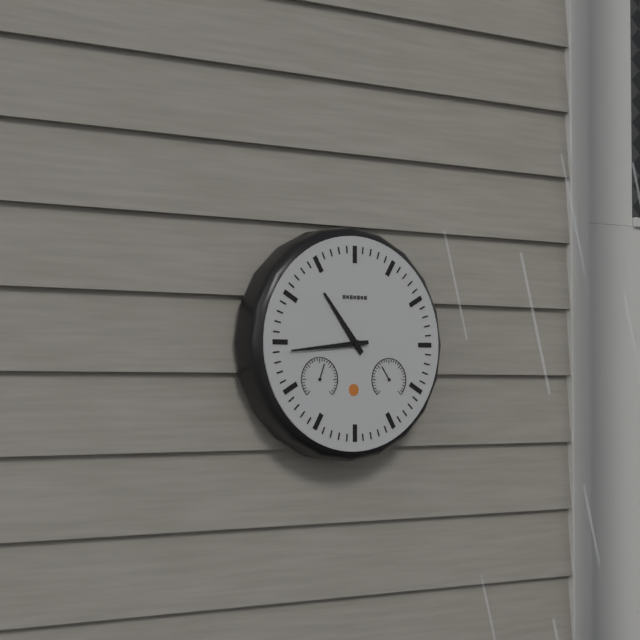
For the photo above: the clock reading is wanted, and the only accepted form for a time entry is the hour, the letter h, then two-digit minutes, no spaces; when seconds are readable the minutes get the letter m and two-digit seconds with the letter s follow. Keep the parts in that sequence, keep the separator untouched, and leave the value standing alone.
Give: 10h44
